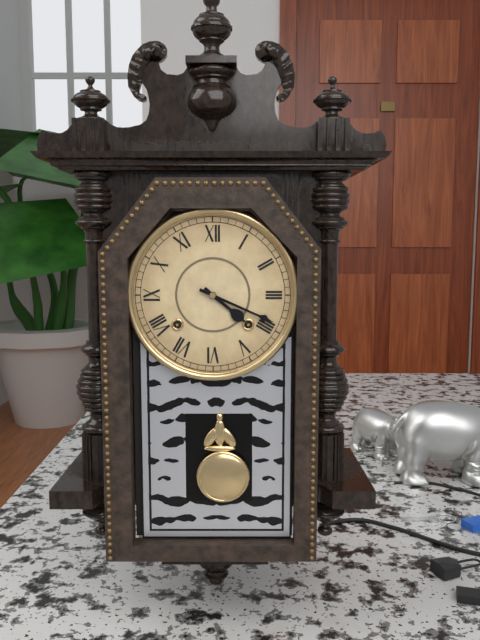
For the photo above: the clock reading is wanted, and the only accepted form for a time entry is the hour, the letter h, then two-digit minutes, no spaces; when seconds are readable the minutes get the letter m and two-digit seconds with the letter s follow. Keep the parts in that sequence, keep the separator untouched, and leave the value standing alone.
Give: 4h19
